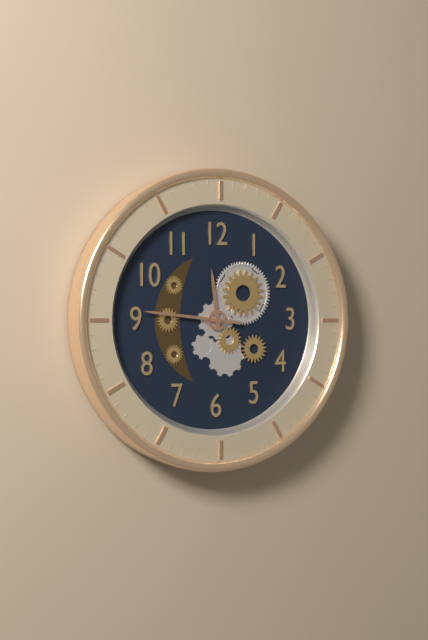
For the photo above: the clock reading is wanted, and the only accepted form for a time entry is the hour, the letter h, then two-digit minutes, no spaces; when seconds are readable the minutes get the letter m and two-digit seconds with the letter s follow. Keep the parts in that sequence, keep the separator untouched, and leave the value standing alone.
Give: 11h46
